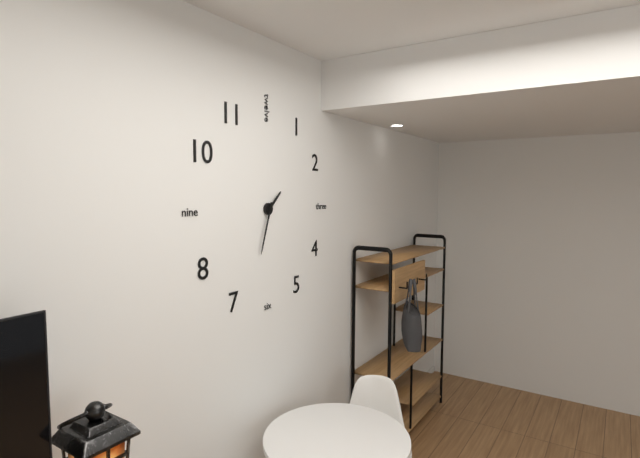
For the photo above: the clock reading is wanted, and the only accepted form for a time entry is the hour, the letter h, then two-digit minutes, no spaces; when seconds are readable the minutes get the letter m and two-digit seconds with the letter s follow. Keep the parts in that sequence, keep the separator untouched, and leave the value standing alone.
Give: 1h33
